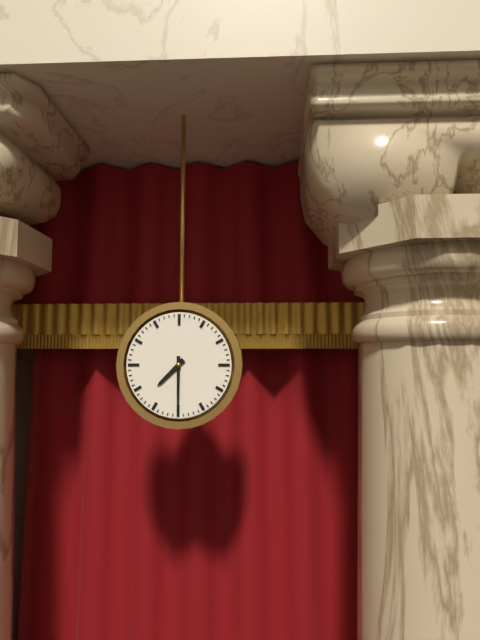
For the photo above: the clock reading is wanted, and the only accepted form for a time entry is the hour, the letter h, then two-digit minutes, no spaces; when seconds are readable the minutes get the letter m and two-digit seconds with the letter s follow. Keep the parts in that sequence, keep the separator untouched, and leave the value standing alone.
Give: 7h30
